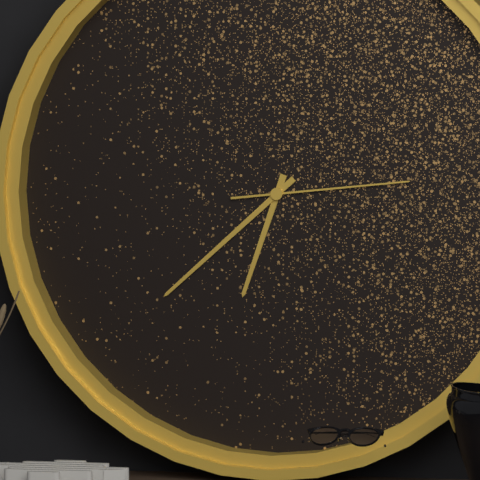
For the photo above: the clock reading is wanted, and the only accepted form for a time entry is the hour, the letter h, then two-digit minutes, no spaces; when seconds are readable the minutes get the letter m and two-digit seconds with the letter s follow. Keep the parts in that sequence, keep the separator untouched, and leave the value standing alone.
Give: 6h38m14s
